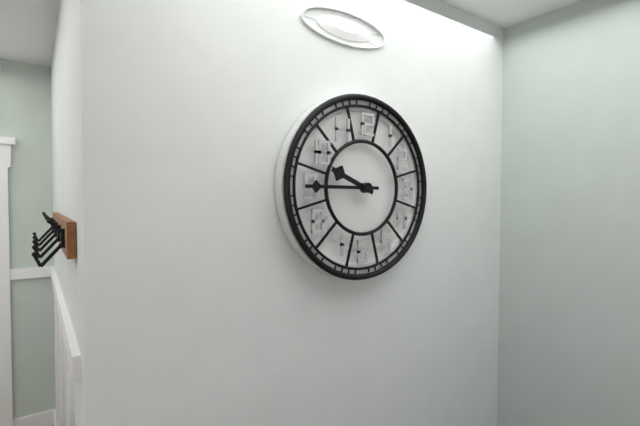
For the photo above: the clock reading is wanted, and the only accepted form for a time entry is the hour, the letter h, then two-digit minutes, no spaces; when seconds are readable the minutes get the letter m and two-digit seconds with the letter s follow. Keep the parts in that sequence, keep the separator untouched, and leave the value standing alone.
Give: 9h45
